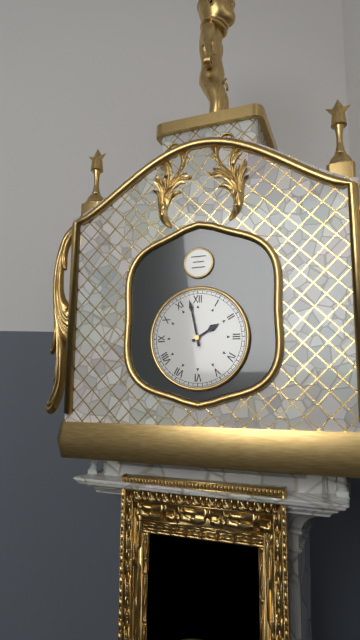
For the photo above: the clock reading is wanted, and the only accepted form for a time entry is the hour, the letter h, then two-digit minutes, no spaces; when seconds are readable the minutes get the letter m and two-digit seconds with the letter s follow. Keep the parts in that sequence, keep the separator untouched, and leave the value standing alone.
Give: 1h58
